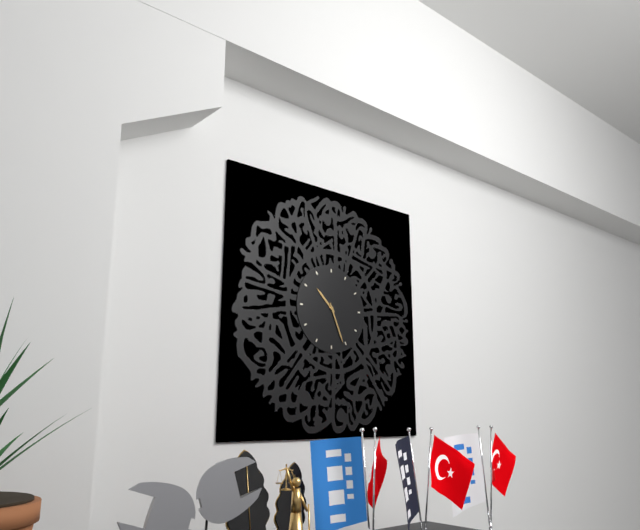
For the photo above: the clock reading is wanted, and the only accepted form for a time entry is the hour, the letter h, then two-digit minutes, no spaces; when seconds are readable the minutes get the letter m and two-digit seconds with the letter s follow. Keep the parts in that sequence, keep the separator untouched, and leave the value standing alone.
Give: 10h26
